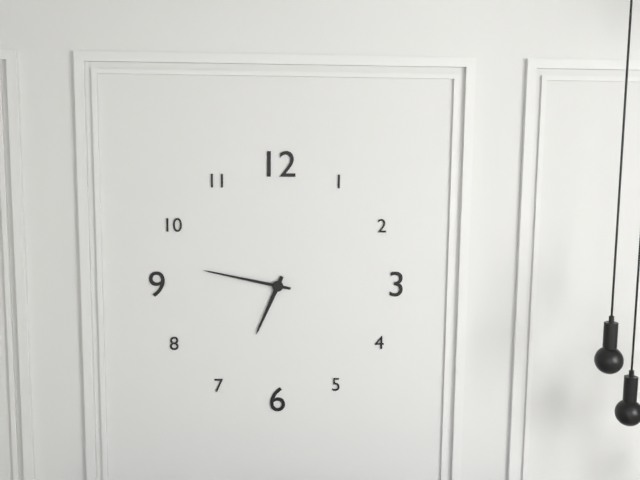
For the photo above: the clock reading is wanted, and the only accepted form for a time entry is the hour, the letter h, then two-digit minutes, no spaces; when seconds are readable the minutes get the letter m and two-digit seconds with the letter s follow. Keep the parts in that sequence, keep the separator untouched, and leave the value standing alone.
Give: 6h47
